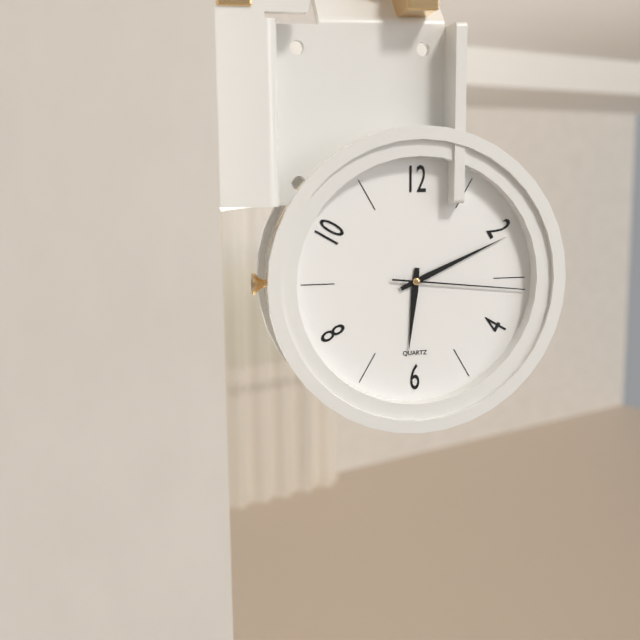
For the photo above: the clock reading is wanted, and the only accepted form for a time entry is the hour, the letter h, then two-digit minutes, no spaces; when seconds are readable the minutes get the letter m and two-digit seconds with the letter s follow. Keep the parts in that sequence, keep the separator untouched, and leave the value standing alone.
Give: 6h11m16s
